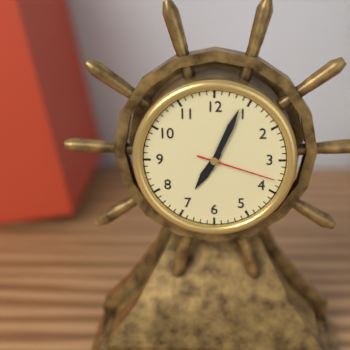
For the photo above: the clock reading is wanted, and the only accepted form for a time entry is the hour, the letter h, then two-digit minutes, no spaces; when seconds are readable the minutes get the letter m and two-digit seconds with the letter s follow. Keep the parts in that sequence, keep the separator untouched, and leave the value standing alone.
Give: 7h04m18s
